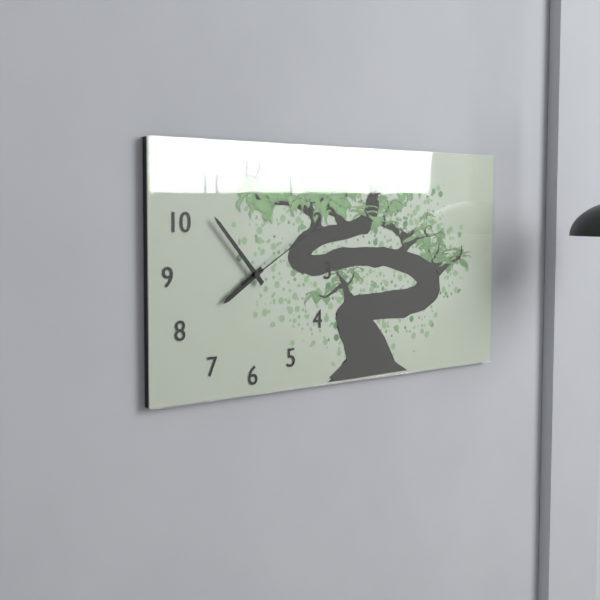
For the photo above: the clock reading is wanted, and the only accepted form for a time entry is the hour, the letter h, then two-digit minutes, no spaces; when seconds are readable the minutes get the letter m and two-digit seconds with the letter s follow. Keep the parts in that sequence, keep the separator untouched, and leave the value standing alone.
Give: 7h53m10s
